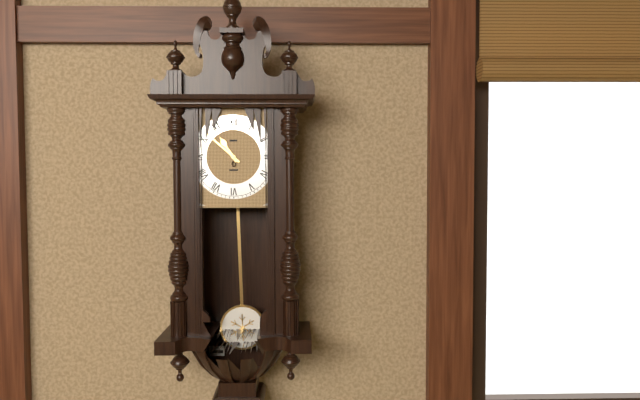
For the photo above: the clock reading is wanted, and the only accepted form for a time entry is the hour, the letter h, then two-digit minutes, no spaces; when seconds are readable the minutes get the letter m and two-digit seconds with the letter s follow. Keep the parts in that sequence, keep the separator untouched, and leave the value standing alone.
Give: 10h52
